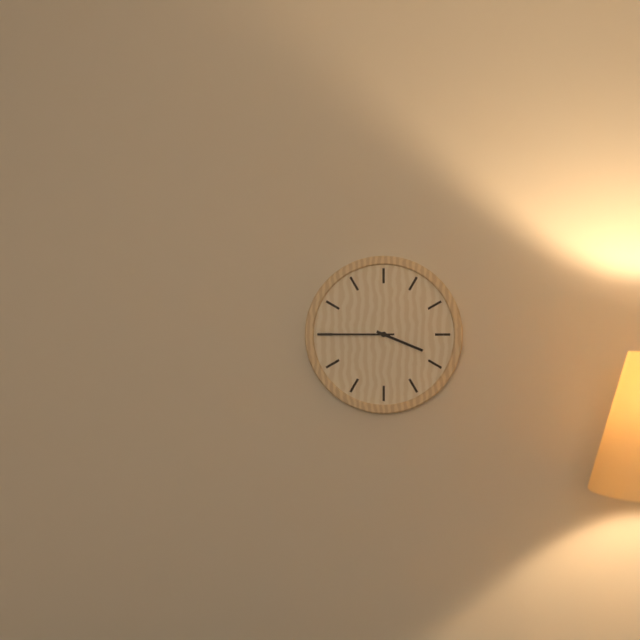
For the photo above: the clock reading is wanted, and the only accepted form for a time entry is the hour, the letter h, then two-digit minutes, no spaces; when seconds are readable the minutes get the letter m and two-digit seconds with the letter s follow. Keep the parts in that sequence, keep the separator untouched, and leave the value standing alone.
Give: 3h45
